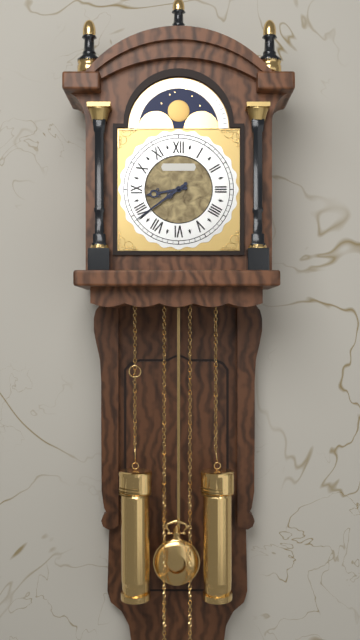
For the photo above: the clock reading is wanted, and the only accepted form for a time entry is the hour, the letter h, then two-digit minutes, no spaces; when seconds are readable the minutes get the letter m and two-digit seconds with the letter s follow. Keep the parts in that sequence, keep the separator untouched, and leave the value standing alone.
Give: 8h39
